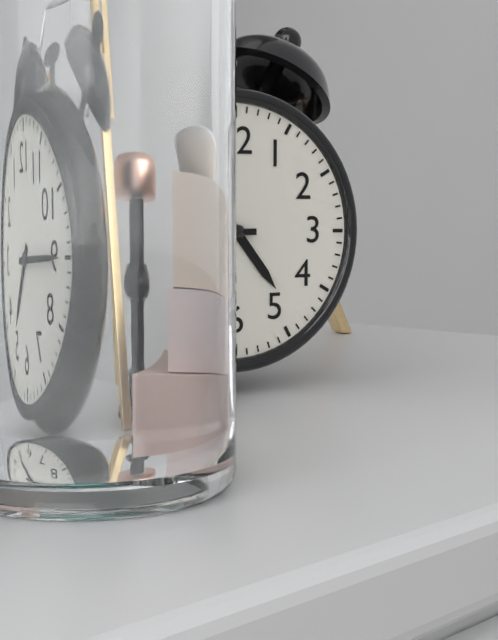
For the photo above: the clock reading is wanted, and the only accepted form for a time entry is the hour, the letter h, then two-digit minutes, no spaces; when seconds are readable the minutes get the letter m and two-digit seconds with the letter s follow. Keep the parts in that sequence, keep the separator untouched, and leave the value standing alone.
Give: 4h45
